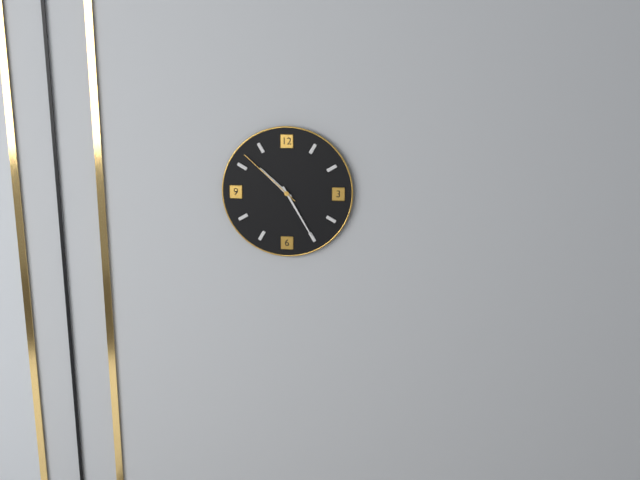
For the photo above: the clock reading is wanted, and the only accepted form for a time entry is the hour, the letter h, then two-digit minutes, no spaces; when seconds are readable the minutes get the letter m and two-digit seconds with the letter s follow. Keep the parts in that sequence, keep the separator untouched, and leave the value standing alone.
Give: 10h25m52s
